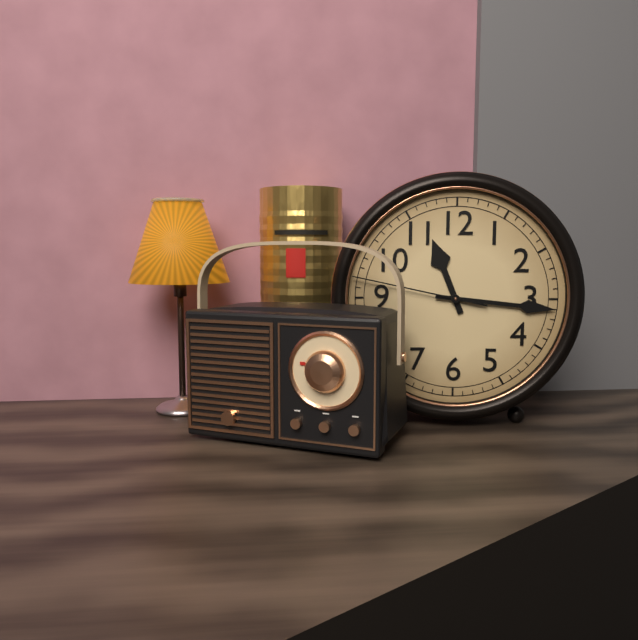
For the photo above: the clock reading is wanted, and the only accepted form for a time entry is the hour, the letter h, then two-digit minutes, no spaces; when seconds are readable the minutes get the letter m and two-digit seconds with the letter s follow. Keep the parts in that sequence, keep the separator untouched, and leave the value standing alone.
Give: 11h16m47s
